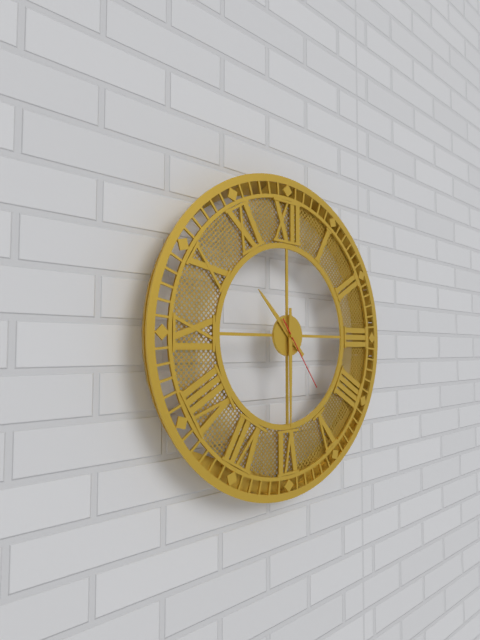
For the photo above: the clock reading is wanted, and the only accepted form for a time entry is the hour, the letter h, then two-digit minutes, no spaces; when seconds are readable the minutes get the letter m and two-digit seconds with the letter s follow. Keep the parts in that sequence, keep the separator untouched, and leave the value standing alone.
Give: 10h30m24s
